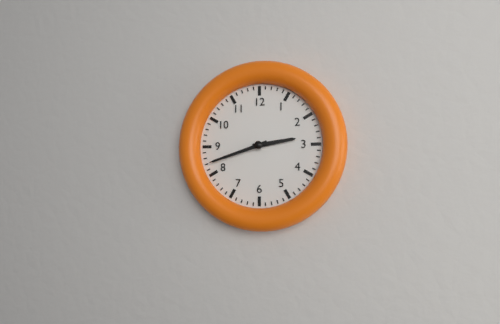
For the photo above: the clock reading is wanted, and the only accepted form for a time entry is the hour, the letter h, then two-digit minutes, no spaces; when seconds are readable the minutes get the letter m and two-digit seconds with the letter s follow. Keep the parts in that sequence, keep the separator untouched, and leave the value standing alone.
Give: 2h42
